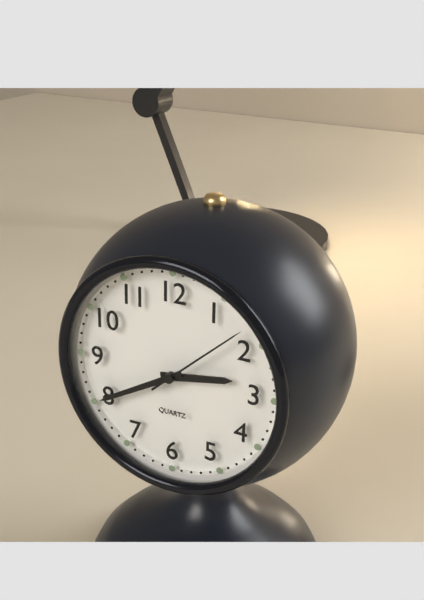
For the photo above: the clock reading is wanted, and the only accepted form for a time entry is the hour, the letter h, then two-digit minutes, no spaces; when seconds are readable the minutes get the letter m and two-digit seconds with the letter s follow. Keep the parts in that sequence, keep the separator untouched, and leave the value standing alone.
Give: 2h40m08s
